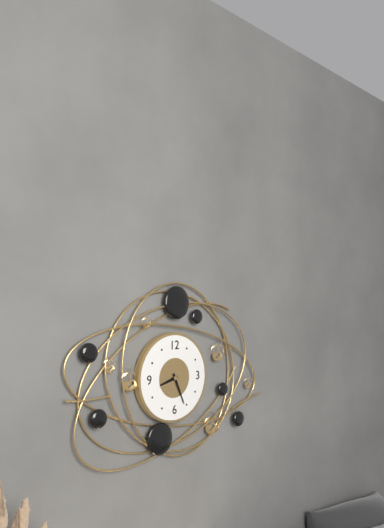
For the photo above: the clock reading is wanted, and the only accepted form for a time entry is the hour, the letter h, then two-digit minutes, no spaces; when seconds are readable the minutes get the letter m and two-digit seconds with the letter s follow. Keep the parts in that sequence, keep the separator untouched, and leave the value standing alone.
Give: 8h26
